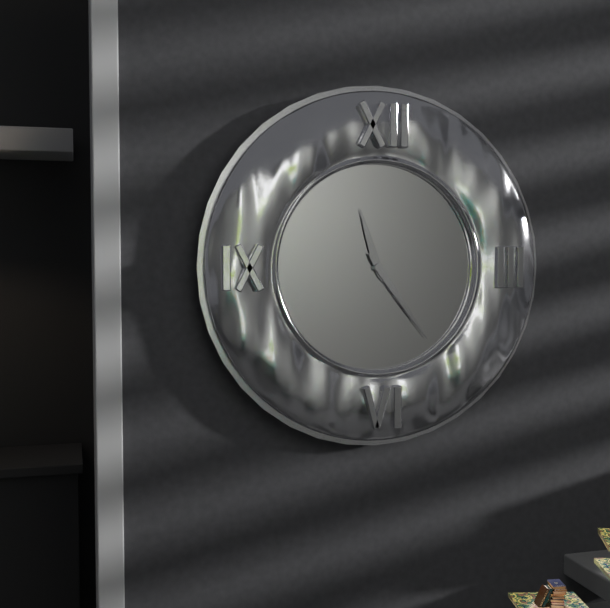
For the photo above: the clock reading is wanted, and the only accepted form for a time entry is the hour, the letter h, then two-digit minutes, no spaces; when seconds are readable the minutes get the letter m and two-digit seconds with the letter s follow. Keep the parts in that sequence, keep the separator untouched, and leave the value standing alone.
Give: 11h24
